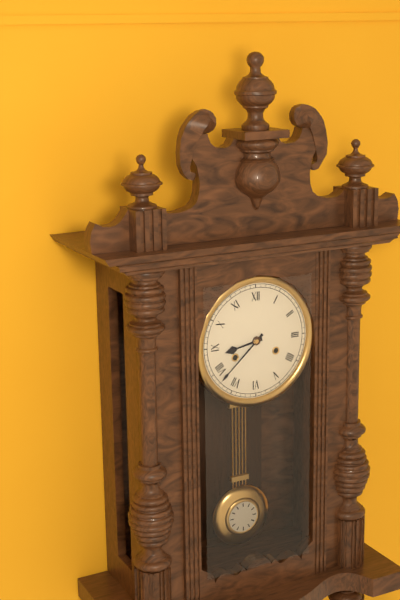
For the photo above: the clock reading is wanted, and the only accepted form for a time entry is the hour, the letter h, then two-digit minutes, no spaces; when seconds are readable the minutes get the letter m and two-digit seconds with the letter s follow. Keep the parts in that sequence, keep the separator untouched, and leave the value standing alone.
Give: 8h38
